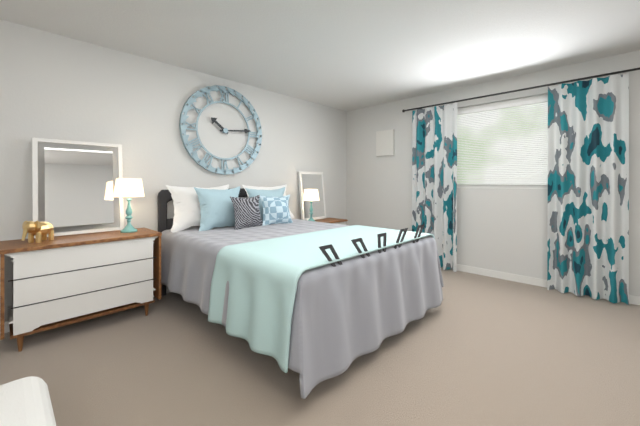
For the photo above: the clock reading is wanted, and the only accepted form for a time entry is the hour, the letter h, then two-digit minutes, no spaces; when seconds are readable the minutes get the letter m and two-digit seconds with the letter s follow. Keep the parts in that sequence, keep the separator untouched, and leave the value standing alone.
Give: 10h14
